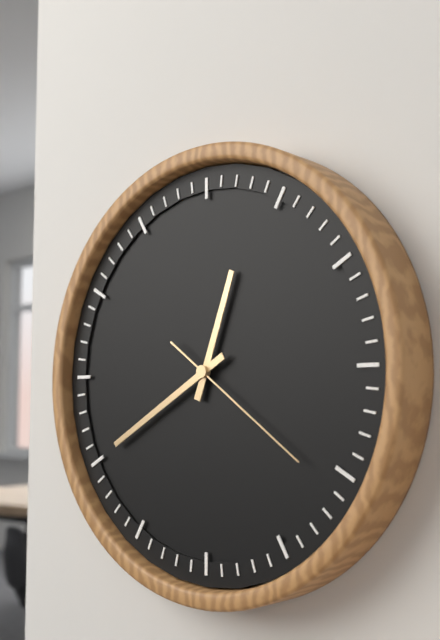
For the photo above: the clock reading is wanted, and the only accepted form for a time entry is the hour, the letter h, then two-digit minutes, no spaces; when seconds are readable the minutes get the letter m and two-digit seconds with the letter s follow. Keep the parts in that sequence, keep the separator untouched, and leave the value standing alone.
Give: 12h40m21s
